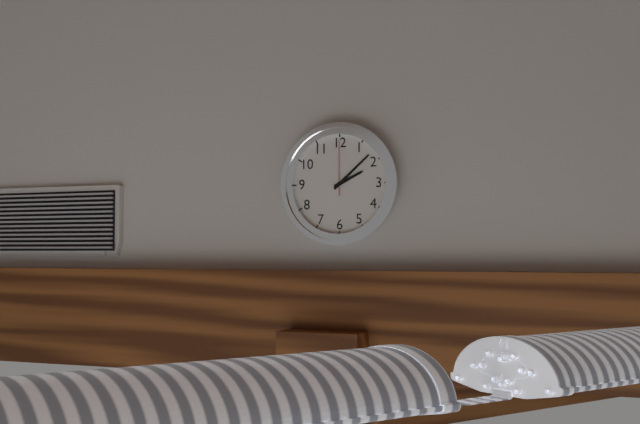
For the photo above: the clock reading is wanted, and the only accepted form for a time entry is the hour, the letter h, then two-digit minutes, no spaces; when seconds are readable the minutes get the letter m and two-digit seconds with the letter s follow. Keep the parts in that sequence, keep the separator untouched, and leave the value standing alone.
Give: 2h08m00s
